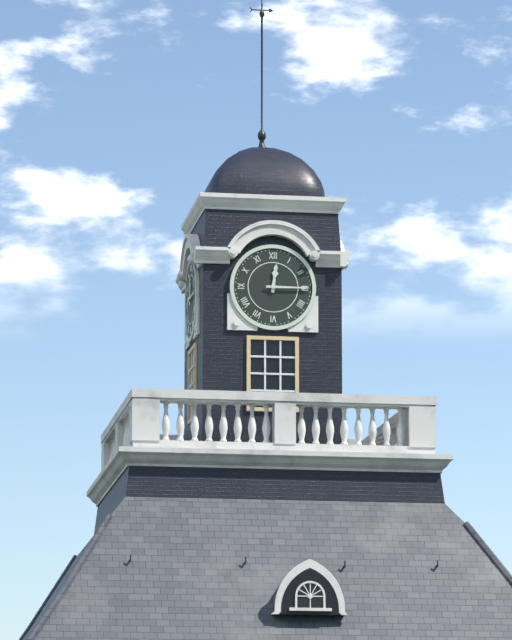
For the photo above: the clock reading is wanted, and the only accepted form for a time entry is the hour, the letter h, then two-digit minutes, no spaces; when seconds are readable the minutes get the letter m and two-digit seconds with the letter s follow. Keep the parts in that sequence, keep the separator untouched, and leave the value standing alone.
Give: 12h15
